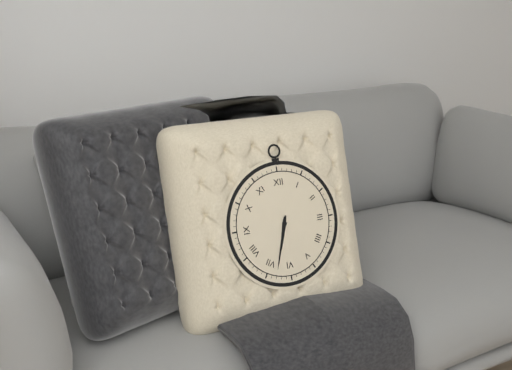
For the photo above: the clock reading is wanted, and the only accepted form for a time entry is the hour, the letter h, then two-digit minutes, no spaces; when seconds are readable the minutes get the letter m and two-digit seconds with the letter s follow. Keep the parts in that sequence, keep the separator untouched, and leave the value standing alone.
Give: 6h33
